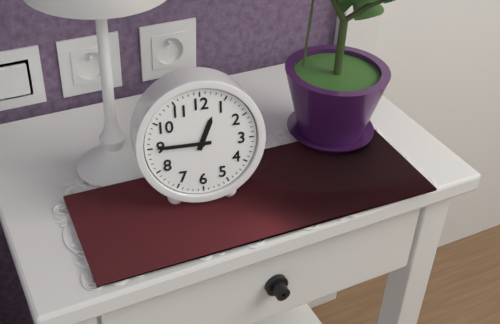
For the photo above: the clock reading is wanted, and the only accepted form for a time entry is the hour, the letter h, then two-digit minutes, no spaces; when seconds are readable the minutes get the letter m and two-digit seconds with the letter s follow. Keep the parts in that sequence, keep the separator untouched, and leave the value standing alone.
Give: 12h45
